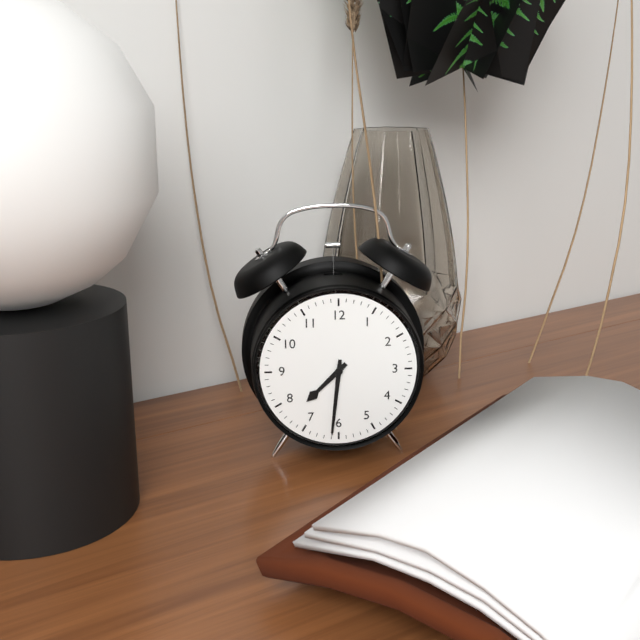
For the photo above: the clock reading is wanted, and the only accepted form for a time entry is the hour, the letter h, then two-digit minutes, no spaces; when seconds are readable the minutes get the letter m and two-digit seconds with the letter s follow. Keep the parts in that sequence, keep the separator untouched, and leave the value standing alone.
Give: 7h31
